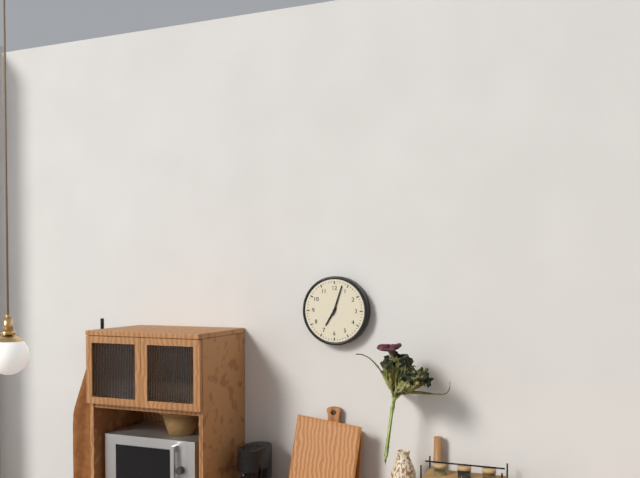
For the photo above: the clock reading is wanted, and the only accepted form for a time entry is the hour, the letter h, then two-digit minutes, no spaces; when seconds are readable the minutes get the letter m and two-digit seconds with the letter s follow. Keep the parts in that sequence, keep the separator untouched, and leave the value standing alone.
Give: 7h03
